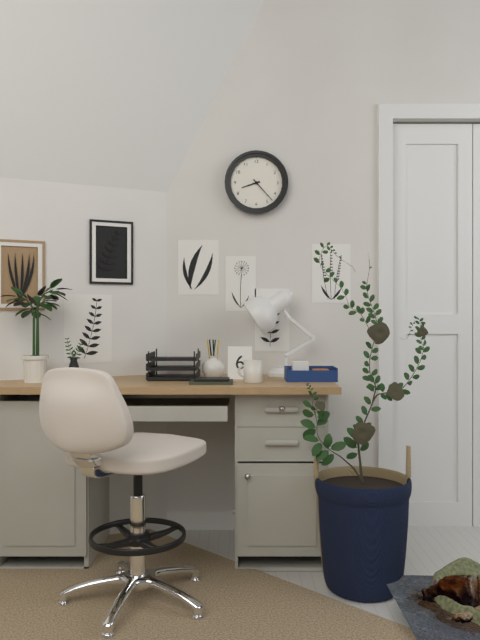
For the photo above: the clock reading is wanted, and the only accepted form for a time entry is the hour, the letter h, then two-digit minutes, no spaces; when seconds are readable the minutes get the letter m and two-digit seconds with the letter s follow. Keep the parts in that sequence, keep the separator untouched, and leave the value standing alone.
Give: 8h23
